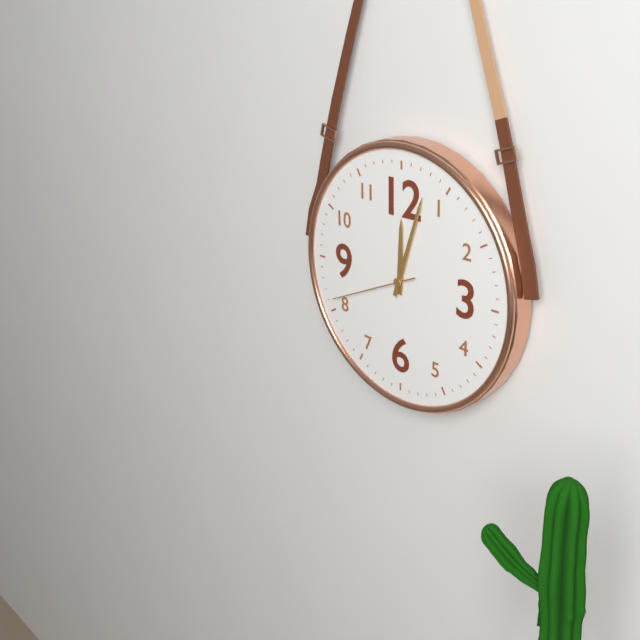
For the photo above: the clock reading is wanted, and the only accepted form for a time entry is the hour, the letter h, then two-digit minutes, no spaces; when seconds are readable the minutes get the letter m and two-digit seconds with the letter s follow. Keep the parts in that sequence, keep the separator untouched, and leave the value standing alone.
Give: 12h03m41s
